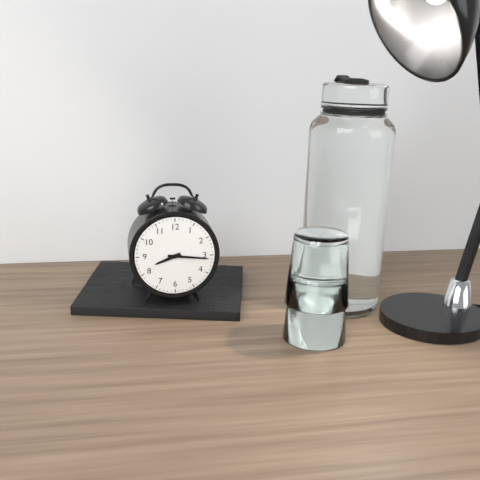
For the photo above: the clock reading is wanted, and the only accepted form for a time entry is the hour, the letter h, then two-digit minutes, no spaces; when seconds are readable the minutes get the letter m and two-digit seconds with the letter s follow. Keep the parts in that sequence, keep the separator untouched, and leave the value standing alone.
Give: 8h16
